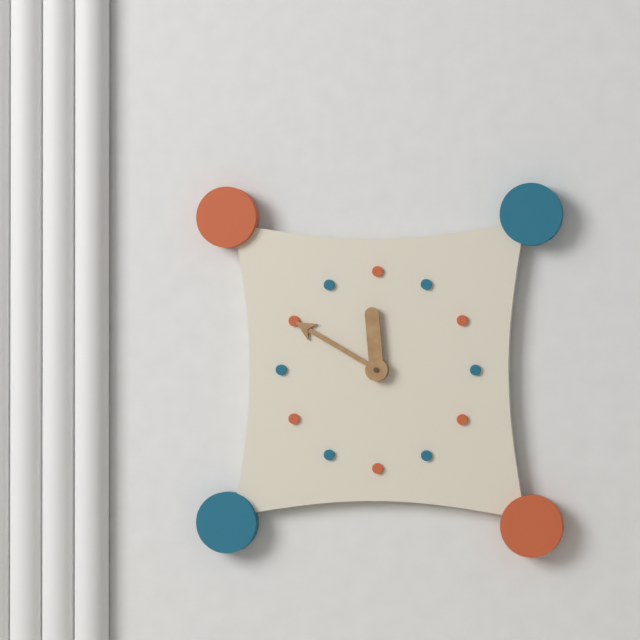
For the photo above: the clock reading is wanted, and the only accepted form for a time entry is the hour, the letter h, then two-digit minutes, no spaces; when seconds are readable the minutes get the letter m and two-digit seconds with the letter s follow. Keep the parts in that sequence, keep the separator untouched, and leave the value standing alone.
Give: 11h50
